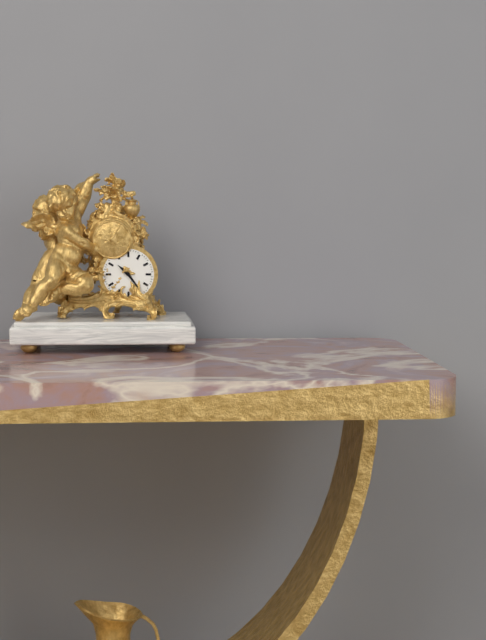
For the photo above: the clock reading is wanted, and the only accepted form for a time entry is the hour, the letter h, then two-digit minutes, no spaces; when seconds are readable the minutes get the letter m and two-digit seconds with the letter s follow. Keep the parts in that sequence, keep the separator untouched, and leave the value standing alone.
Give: 10h24
